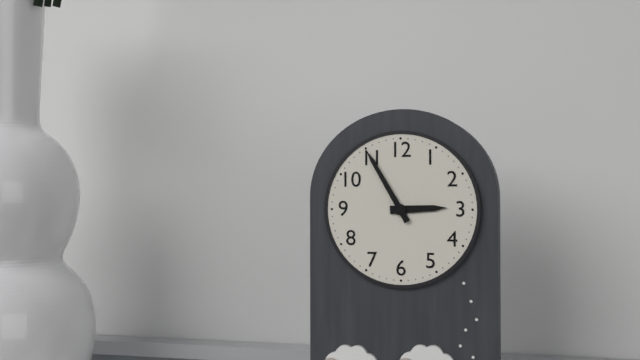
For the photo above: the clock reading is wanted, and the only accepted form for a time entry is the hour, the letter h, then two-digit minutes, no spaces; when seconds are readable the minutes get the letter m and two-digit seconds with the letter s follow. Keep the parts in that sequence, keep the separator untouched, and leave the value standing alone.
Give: 2h55
